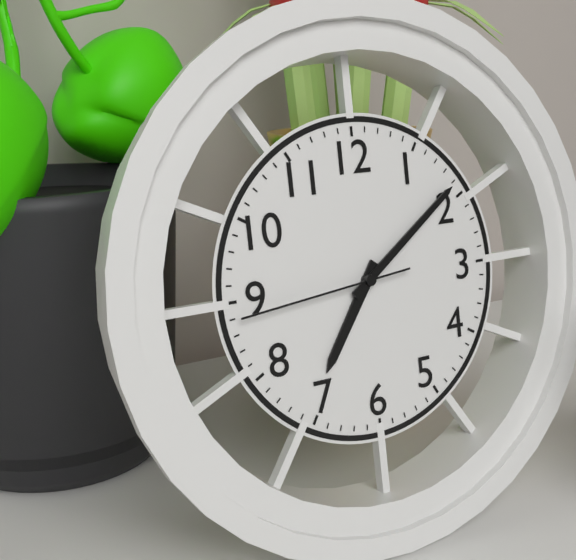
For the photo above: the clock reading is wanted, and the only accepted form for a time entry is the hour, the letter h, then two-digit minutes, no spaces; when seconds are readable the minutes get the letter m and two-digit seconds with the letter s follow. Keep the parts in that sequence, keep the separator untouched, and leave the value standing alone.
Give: 7h09m44s
